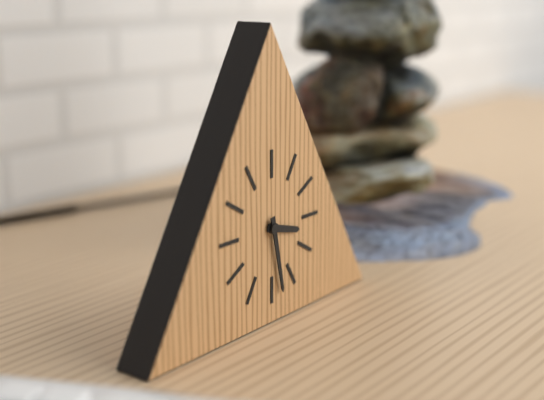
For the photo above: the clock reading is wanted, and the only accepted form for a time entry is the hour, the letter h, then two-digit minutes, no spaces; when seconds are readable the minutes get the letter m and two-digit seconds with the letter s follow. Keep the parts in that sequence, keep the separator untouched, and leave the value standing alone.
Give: 3h28
